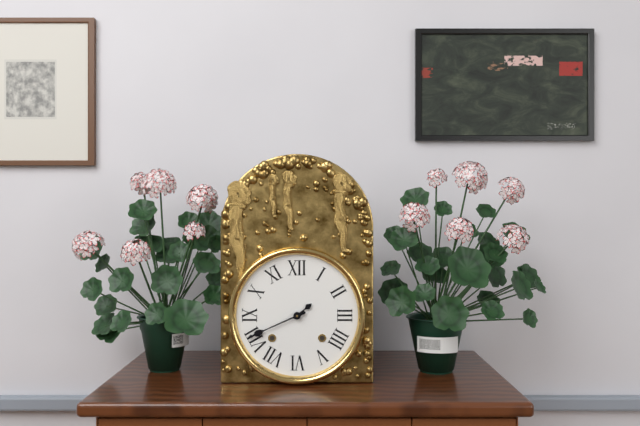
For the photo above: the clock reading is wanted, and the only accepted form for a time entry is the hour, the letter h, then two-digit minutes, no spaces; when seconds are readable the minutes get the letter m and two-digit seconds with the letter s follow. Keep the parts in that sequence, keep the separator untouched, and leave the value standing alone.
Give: 1h41
